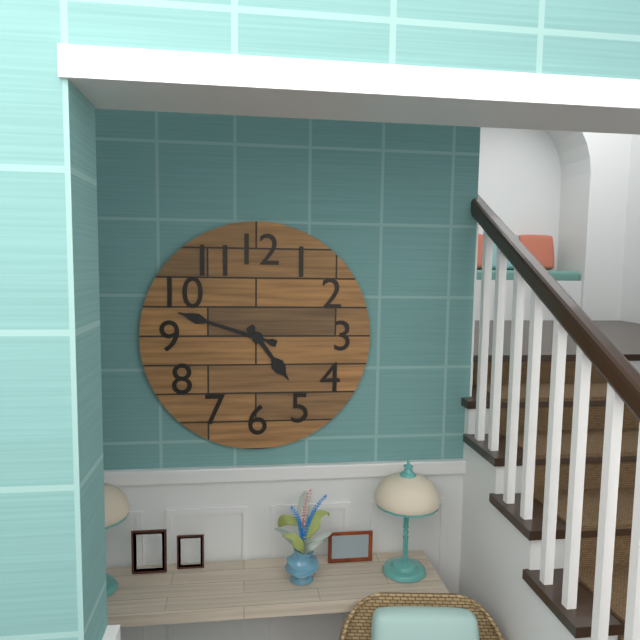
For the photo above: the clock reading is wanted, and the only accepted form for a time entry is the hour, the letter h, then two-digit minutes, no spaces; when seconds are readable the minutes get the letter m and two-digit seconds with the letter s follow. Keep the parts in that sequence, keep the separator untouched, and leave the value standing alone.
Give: 4h48
